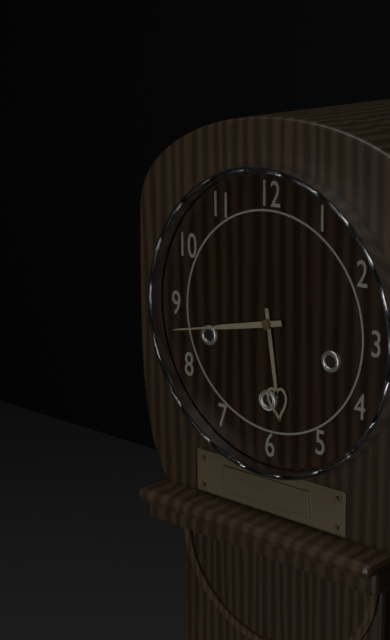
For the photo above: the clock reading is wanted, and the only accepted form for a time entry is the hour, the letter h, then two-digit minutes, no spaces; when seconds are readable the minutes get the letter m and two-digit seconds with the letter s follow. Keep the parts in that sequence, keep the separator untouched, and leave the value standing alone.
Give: 5h43
